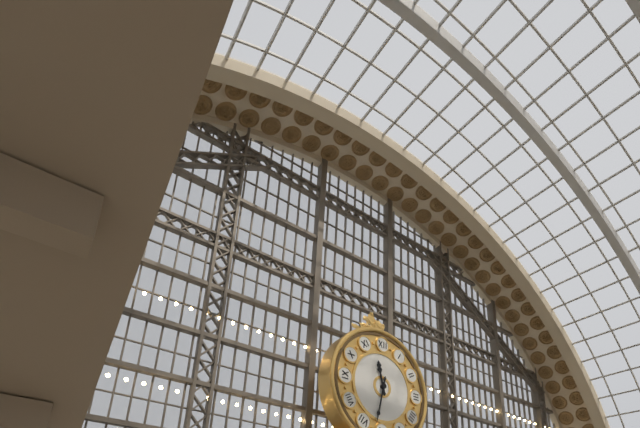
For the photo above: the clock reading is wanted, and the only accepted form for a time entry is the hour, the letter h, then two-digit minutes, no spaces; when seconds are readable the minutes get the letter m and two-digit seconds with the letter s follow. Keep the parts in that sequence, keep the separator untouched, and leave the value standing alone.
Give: 11h32
